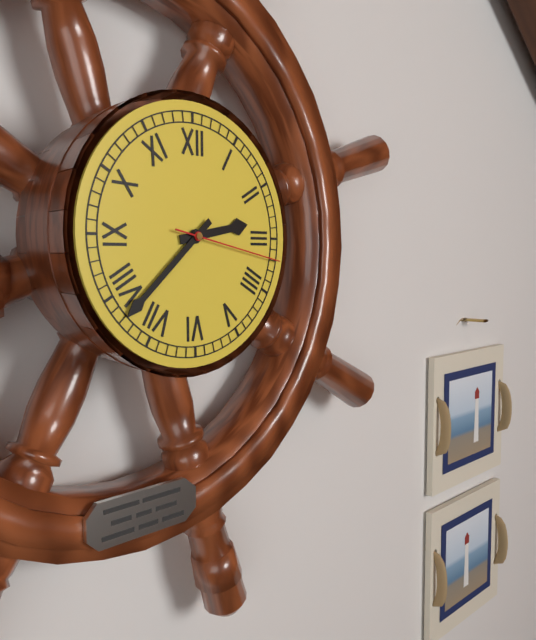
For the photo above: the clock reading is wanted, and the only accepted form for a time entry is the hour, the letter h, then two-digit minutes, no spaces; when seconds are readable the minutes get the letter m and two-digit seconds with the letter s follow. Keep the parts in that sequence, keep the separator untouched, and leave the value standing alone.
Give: 2h38m17s
